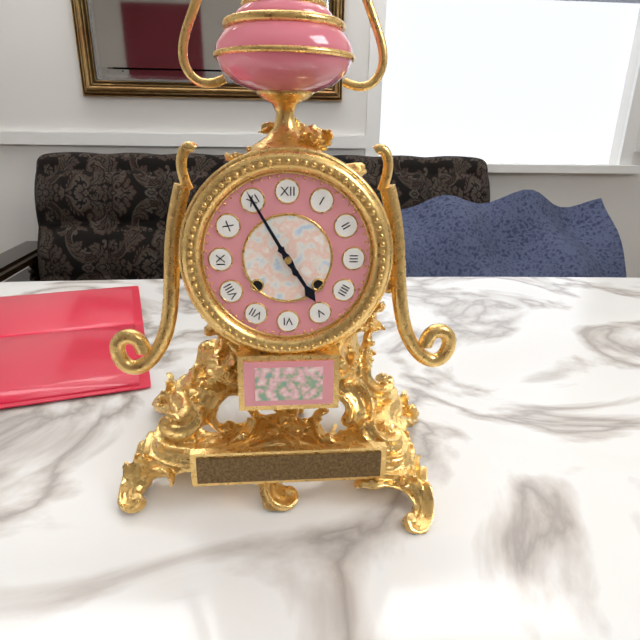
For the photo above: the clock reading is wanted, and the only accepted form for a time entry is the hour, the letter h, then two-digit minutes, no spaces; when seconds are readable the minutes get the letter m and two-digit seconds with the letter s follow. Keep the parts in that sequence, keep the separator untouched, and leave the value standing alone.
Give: 4h55
